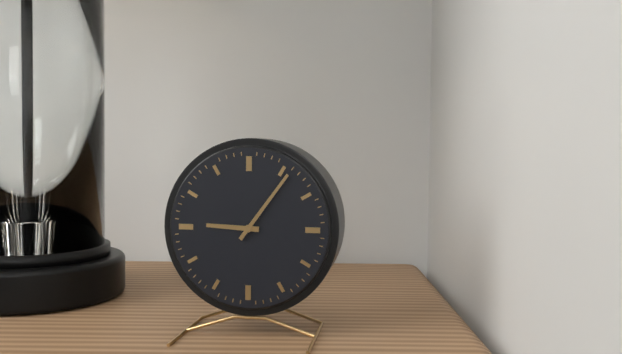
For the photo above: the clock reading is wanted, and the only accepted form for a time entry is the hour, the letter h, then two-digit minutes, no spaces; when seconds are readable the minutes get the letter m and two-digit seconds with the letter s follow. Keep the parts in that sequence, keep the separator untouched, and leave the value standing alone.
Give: 9h06
